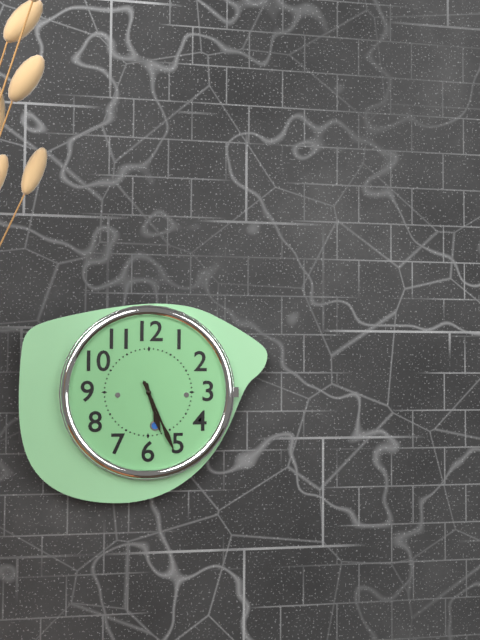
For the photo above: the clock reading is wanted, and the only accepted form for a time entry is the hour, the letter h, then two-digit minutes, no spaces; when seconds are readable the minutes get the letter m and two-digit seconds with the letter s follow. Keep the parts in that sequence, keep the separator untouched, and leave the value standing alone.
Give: 5h26
